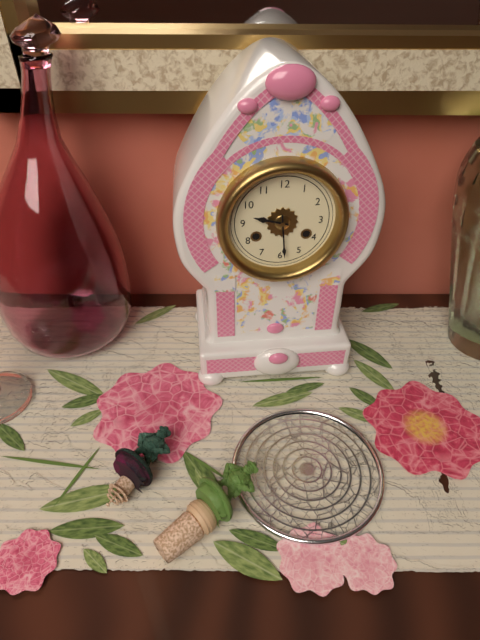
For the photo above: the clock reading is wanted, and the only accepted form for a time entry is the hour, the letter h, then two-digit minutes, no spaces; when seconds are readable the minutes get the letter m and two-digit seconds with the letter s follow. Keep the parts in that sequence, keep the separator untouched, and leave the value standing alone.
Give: 9h29
